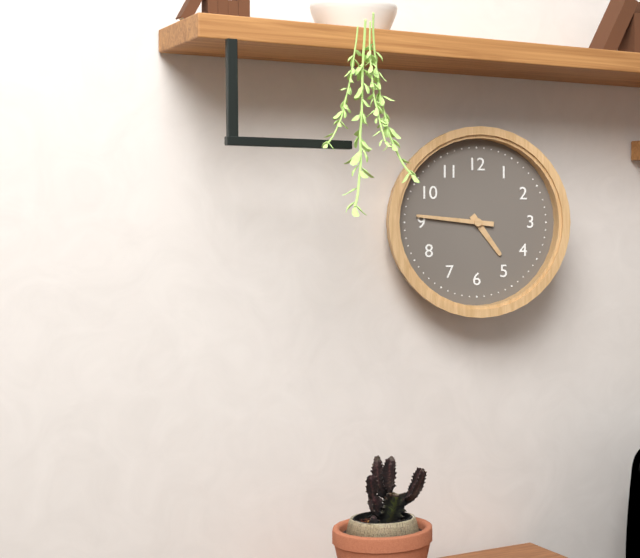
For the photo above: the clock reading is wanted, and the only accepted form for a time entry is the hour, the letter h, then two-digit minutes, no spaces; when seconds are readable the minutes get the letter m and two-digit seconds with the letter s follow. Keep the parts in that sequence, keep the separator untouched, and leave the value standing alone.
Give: 4h46
